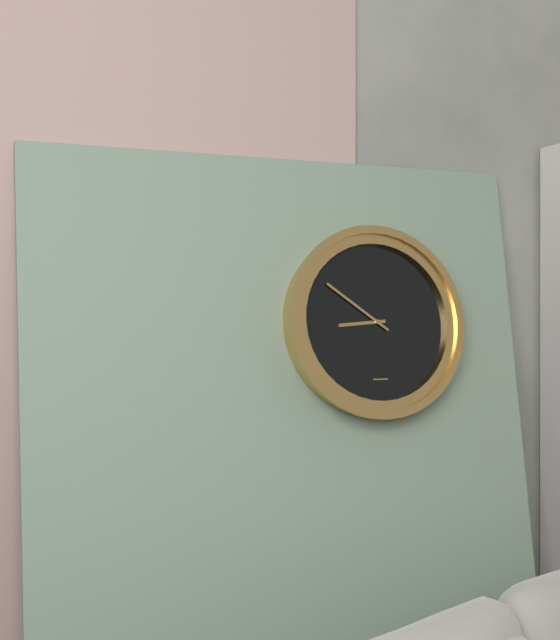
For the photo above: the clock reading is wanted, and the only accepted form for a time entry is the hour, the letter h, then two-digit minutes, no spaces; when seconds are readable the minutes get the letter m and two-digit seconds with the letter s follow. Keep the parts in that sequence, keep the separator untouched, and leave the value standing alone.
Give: 8h51
